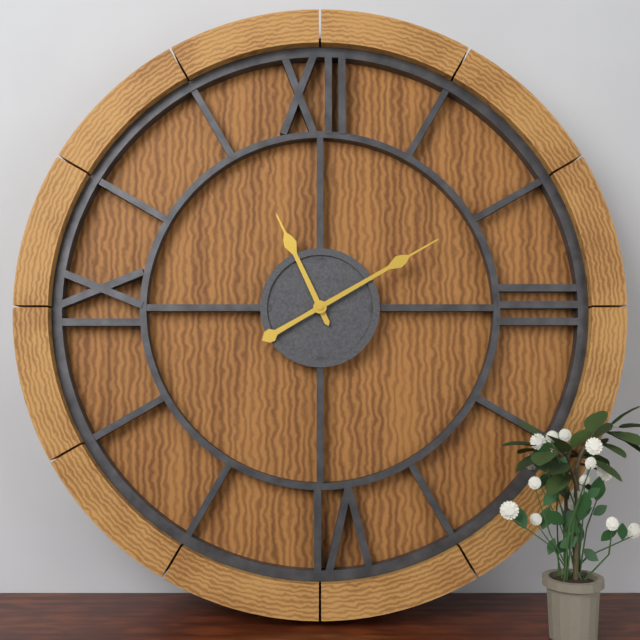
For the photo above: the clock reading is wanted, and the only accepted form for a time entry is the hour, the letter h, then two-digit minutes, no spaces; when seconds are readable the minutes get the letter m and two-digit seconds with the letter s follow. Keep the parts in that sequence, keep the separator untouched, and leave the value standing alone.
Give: 11h10
